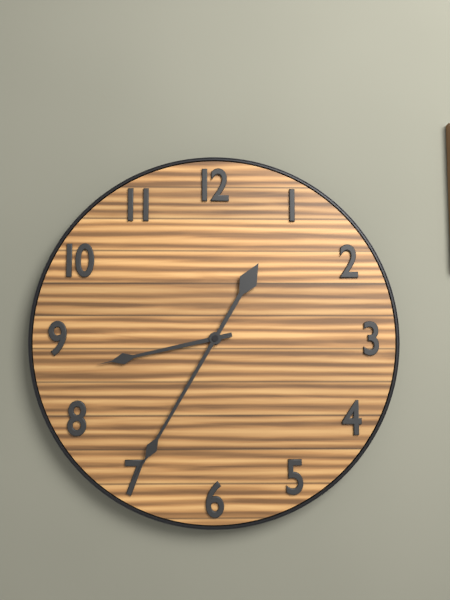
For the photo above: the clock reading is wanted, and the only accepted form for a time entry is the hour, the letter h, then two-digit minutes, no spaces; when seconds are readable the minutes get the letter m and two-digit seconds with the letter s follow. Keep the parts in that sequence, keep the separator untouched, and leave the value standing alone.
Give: 8h35
